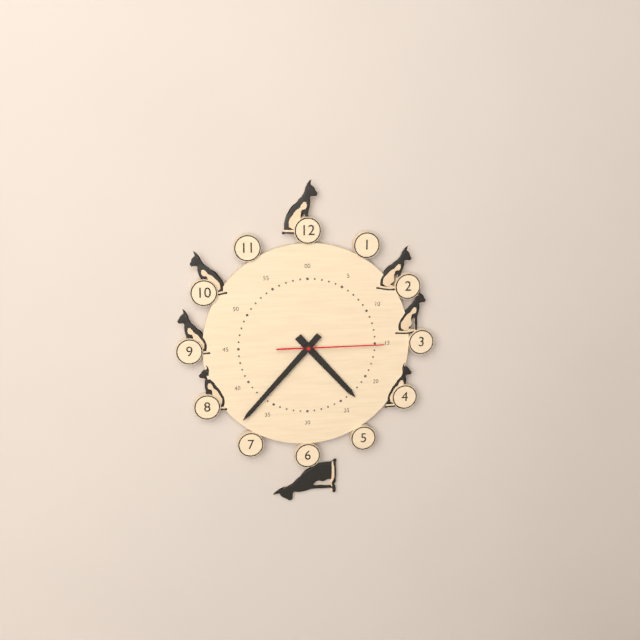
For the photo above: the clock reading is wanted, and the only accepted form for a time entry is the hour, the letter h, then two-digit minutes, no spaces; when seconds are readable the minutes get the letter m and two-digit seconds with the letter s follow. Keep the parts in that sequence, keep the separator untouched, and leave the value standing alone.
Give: 4h37m15s
